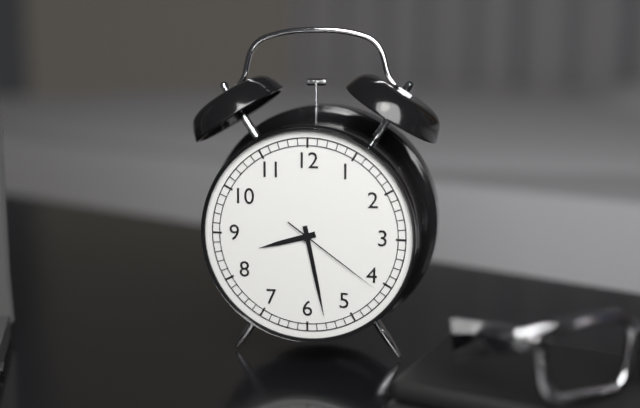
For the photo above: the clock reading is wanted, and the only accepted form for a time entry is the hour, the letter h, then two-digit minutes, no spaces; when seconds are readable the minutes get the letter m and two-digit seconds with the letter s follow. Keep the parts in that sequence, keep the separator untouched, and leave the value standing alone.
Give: 8h28m21s
